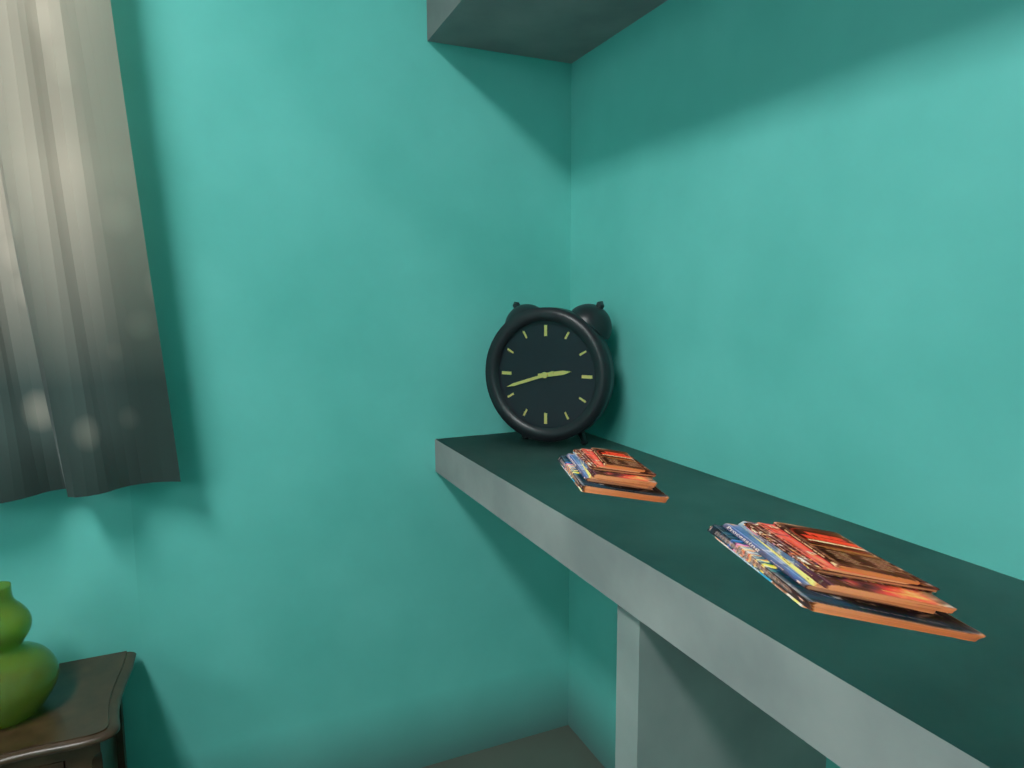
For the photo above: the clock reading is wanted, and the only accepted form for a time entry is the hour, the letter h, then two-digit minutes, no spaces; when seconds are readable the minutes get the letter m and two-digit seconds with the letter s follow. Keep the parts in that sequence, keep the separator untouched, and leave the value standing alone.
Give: 2h42
